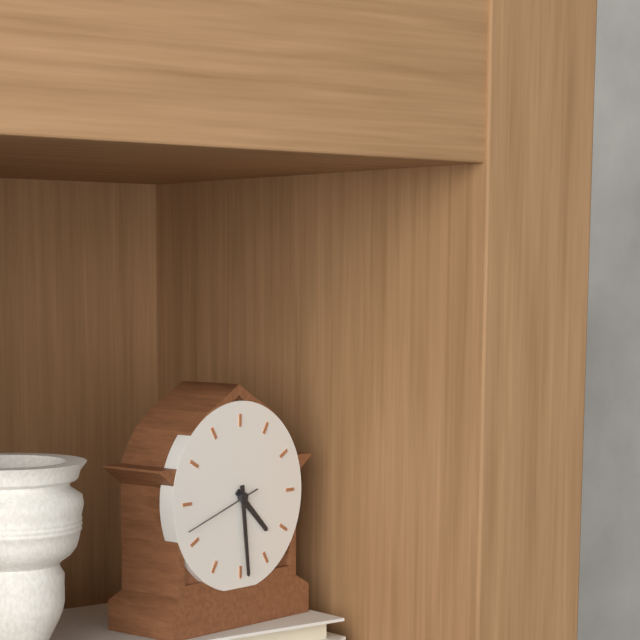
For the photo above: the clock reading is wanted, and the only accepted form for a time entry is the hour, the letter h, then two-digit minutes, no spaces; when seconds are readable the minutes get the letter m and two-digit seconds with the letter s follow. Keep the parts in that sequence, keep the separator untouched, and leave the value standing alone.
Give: 4h29m42s
